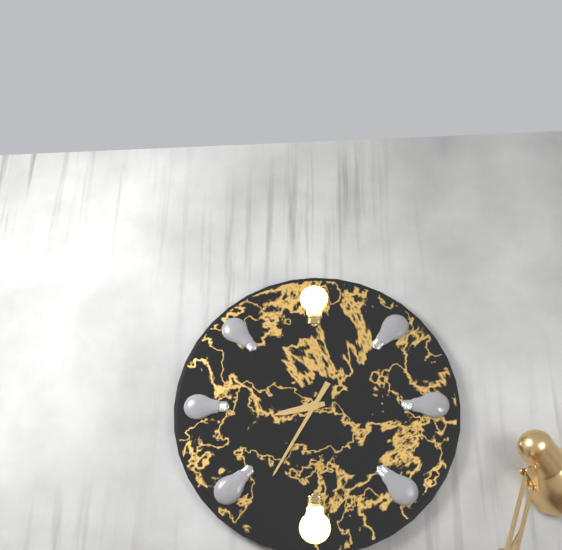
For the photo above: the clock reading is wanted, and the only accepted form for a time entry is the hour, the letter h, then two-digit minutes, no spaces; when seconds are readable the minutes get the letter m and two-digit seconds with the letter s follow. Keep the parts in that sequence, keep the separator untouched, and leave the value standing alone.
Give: 8h35
